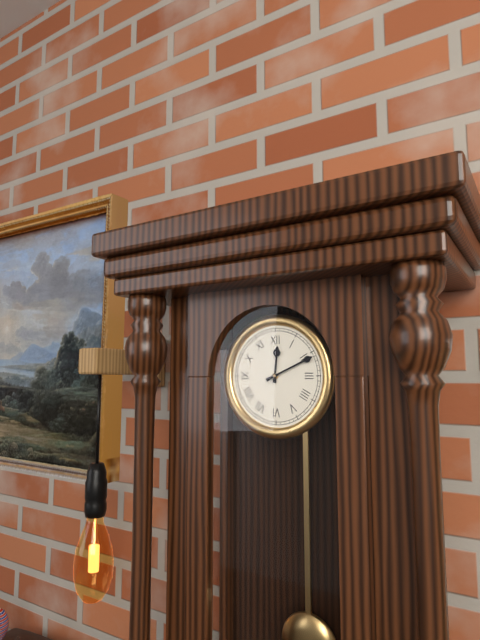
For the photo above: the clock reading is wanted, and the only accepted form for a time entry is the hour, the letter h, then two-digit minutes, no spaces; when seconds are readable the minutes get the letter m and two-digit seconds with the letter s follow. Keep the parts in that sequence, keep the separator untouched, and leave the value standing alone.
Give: 12h11
